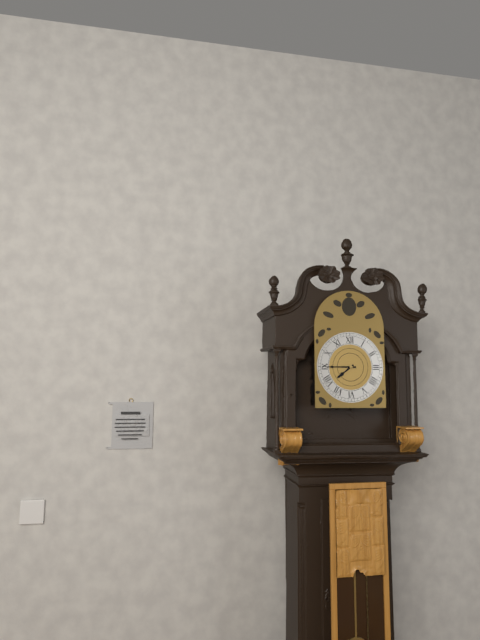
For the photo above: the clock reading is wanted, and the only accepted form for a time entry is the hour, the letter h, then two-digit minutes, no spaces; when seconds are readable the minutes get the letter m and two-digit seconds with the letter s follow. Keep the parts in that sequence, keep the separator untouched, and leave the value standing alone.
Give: 7h45
